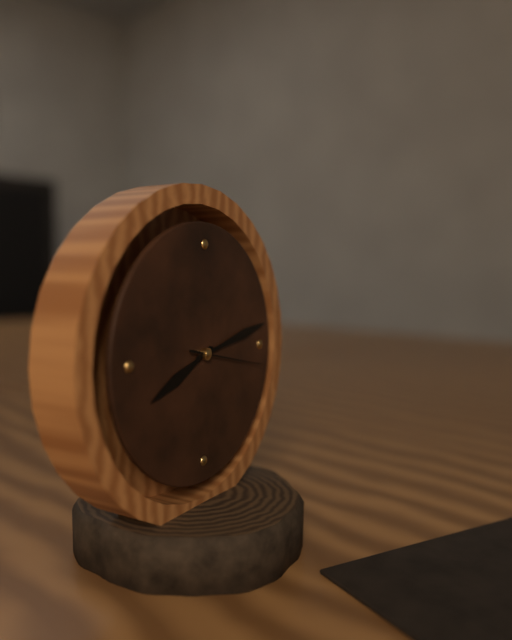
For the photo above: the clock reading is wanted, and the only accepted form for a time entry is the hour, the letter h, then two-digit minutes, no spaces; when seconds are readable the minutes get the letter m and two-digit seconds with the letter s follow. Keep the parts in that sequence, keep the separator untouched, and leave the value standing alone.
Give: 8h13m17s
